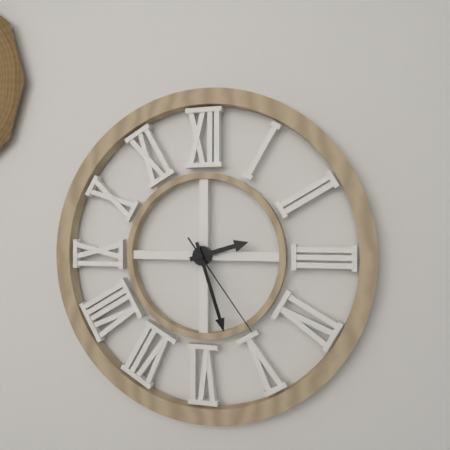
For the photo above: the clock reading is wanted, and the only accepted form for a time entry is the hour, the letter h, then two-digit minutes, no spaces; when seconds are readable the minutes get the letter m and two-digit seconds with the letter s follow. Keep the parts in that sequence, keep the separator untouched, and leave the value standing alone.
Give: 2h27m24s
